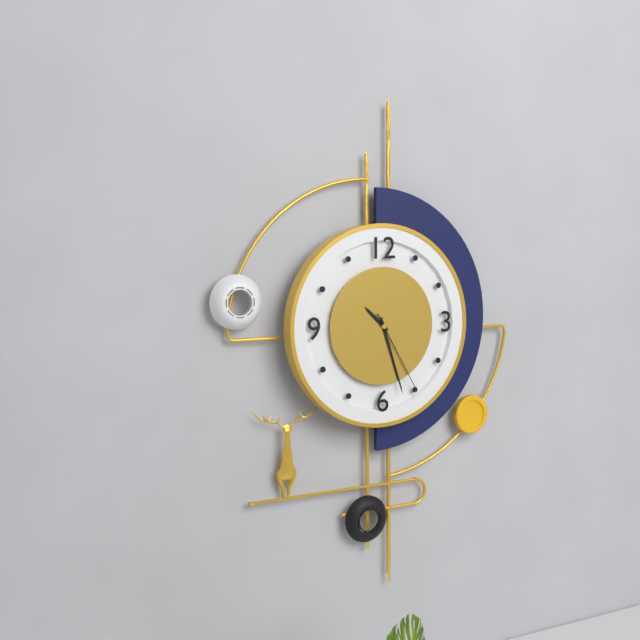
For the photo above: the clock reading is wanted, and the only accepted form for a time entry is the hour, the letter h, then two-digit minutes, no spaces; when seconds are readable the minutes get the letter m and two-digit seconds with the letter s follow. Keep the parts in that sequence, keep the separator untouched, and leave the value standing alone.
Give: 10h27m25s
